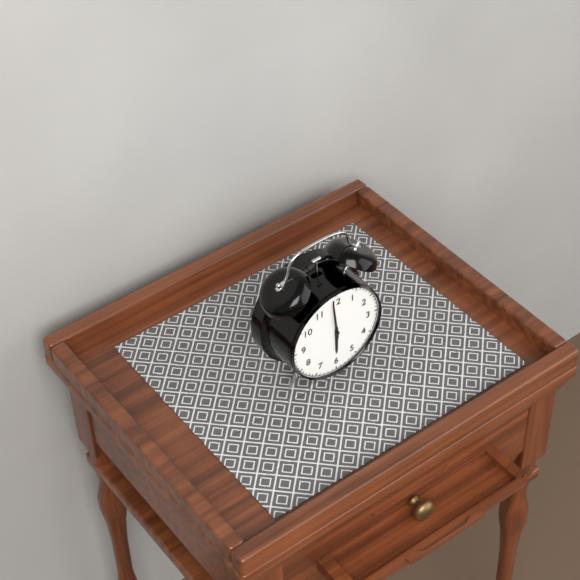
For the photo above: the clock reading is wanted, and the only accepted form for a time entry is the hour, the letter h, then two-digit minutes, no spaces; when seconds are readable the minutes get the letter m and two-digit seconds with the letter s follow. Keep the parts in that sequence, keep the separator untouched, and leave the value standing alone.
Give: 5h59
